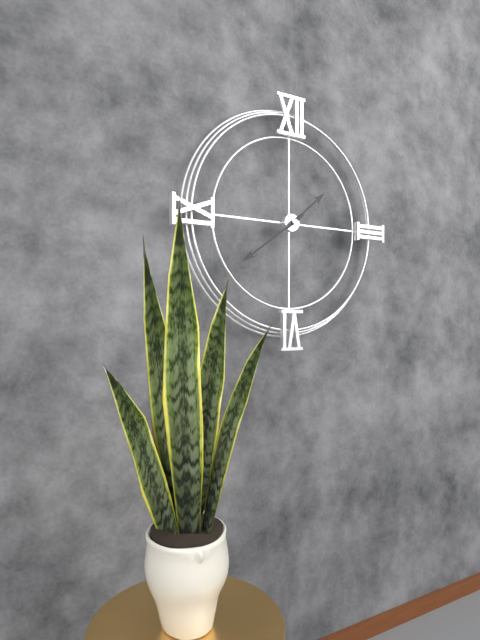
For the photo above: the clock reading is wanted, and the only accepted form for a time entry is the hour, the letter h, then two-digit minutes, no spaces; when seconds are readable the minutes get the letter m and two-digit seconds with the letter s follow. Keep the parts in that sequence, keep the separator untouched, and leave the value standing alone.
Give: 1h39
